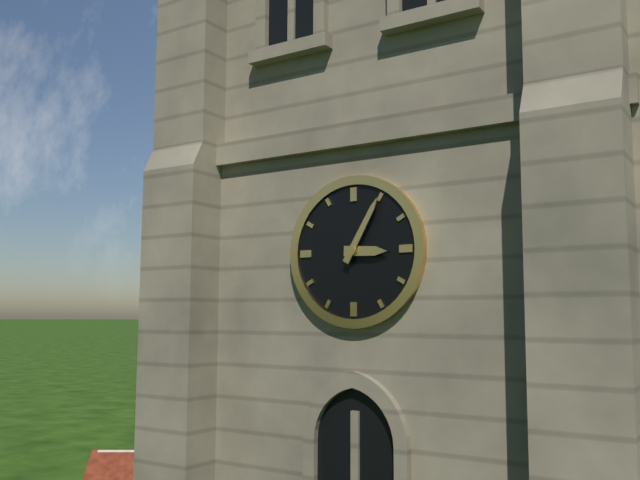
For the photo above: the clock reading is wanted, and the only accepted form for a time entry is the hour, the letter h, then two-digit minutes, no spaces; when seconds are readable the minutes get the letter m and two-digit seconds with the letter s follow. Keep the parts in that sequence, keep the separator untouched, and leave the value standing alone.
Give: 3h05
